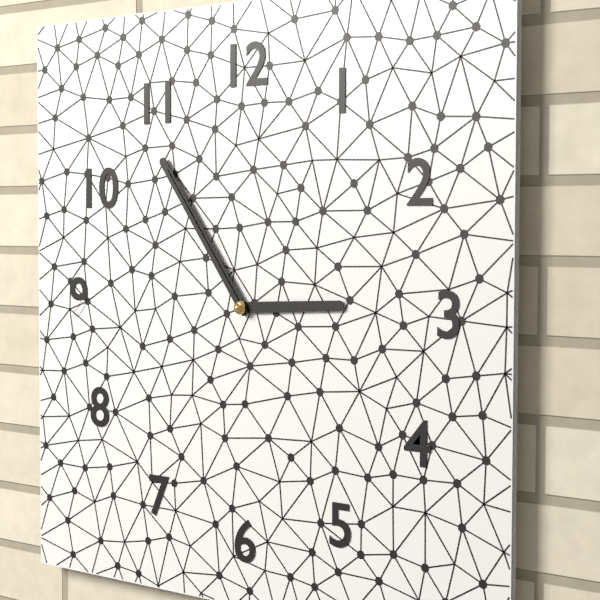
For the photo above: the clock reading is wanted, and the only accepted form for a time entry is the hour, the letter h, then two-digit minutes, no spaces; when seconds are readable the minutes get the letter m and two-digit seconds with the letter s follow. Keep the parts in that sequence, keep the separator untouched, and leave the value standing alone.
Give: 2h54m54s
